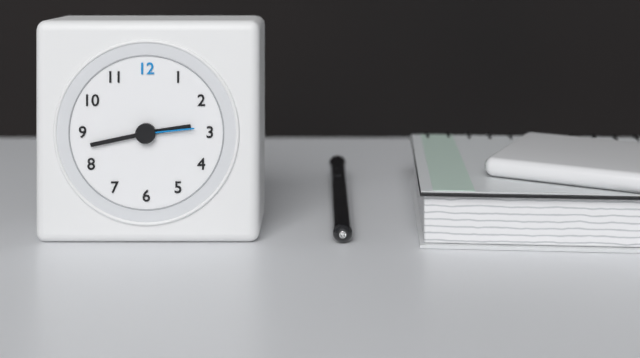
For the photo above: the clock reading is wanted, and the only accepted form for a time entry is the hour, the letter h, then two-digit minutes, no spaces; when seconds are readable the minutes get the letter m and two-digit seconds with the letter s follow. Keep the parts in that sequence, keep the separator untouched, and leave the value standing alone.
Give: 2h43m14s
